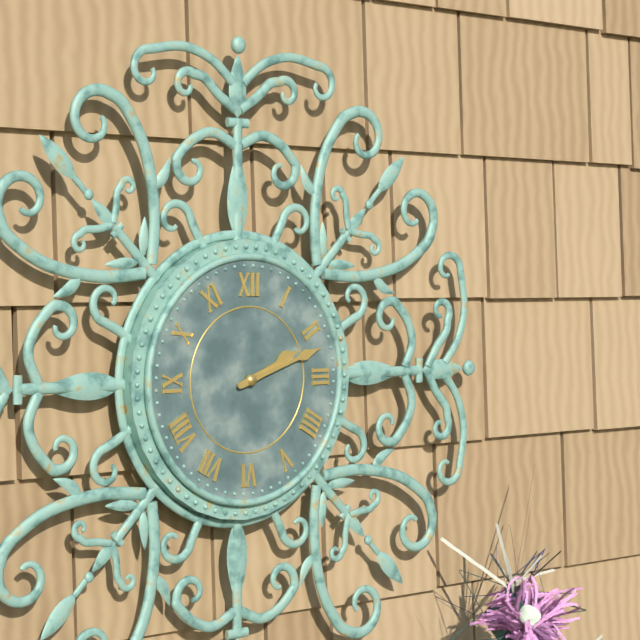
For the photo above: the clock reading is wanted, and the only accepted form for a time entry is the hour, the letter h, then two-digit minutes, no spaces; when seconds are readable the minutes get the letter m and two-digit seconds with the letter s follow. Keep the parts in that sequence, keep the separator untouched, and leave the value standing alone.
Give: 2h12
